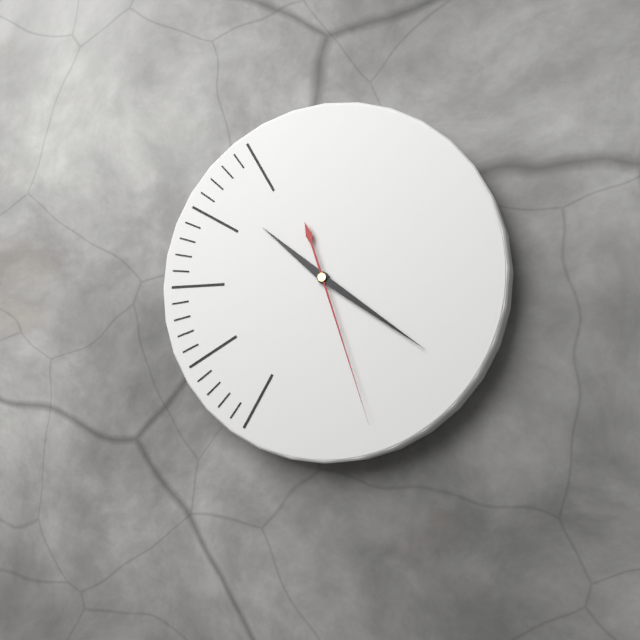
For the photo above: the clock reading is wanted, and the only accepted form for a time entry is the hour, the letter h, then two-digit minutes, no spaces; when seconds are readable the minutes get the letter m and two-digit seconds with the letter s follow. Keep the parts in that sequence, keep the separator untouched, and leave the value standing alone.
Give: 10h21m27s
